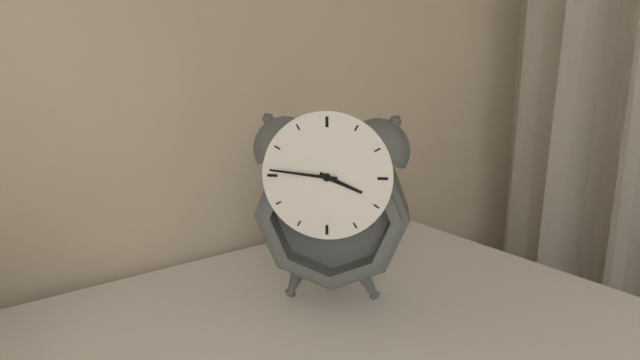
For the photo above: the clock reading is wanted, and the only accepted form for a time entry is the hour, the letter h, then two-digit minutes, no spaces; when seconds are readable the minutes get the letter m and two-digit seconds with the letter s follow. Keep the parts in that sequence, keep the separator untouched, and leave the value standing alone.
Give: 3h46
